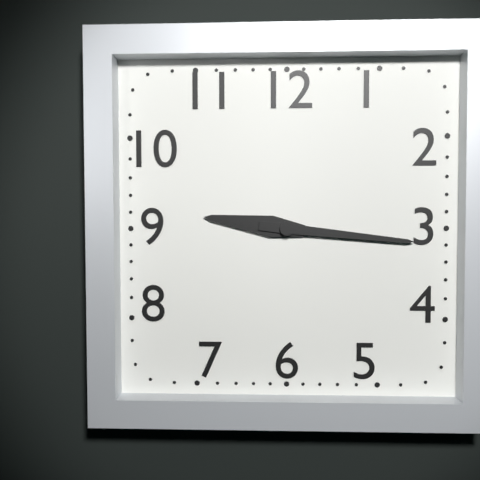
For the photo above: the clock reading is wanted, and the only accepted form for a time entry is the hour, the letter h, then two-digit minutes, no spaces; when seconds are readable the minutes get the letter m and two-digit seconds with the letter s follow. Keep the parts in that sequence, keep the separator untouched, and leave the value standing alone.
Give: 9h16
